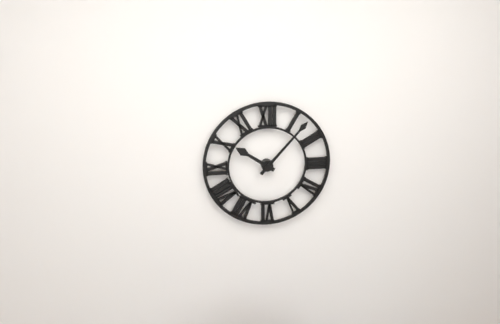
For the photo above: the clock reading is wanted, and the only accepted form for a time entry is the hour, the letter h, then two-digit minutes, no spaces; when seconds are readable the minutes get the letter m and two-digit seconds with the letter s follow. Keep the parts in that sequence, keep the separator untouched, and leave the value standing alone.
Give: 10h07
